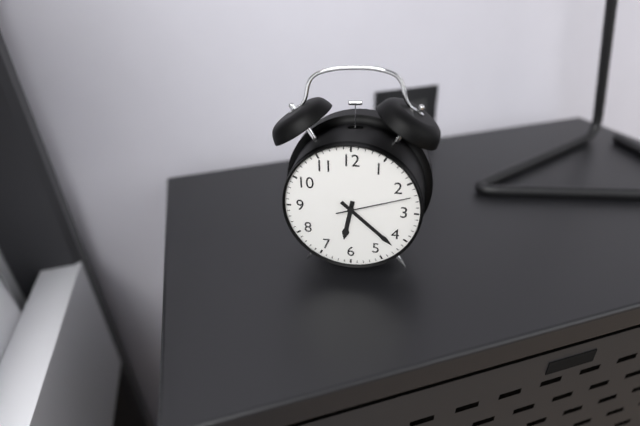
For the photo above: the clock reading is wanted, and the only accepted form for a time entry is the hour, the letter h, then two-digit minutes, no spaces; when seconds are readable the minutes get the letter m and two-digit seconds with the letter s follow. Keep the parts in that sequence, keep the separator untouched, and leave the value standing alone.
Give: 6h22m12s
